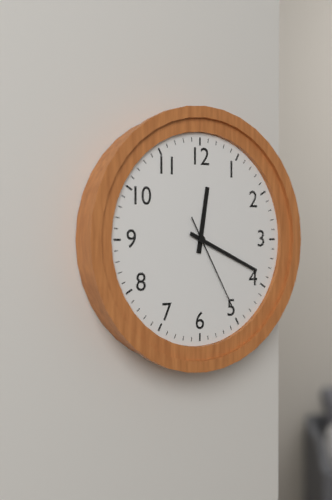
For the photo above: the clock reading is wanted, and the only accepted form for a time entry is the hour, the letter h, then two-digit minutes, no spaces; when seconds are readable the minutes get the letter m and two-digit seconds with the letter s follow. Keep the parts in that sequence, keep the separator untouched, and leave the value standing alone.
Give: 12h19m25s
